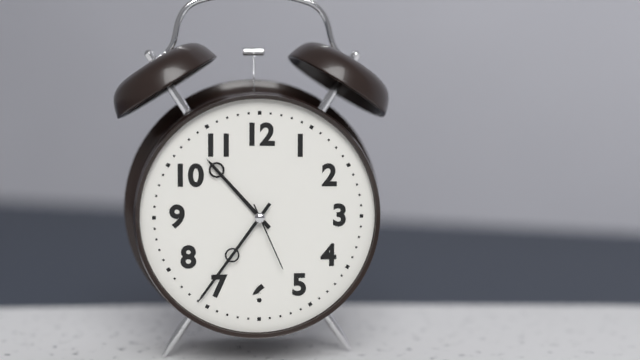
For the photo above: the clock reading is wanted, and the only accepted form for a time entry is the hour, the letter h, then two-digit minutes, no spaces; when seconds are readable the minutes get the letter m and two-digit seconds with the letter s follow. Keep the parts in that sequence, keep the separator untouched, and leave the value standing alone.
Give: 10h36m26s
